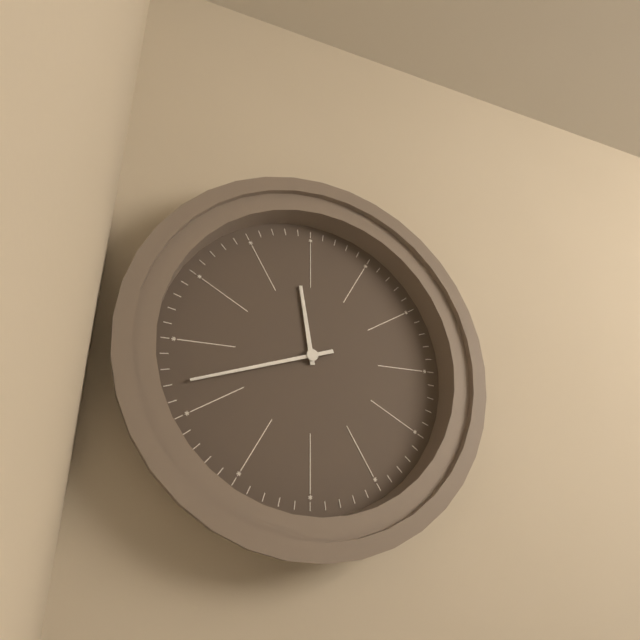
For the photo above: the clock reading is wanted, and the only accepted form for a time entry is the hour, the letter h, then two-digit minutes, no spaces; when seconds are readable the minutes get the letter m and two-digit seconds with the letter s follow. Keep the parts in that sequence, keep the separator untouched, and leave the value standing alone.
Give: 11h42
